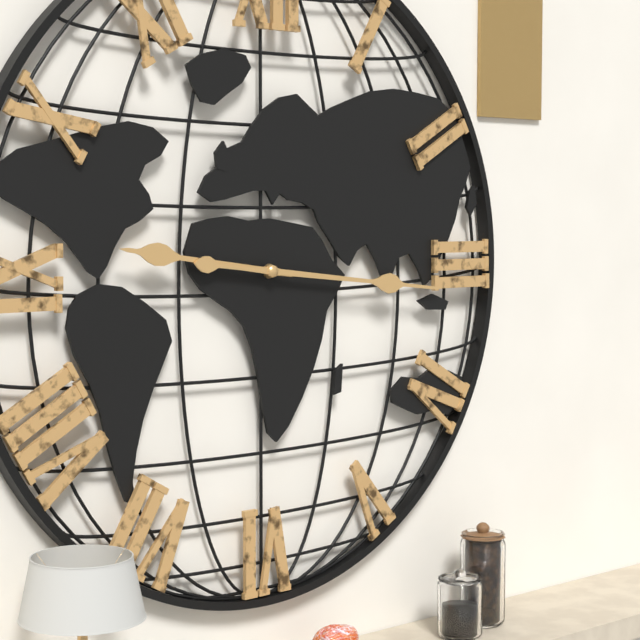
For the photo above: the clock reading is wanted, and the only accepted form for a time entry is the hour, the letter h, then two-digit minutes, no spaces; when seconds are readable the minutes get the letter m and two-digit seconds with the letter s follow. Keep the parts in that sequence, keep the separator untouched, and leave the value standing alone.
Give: 9h16
